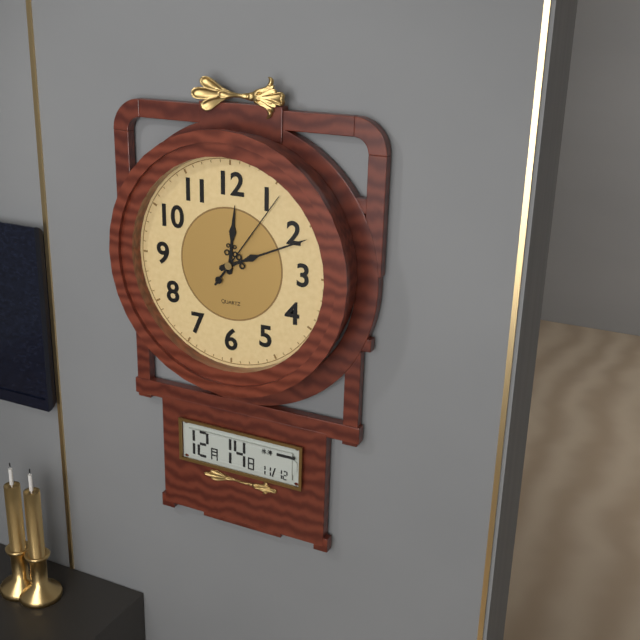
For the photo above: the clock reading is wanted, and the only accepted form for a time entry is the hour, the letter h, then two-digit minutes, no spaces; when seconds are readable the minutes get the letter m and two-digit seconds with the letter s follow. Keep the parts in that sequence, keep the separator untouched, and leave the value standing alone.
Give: 12h11m06s
